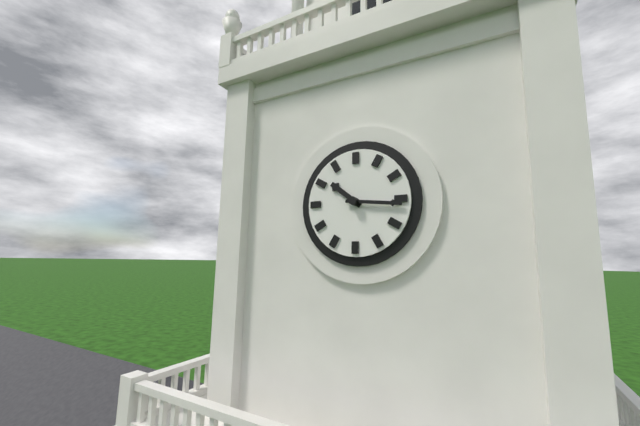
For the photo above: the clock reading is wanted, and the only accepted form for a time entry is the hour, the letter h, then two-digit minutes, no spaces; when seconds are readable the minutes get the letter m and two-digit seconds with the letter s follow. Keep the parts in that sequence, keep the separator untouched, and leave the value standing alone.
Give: 10h16
